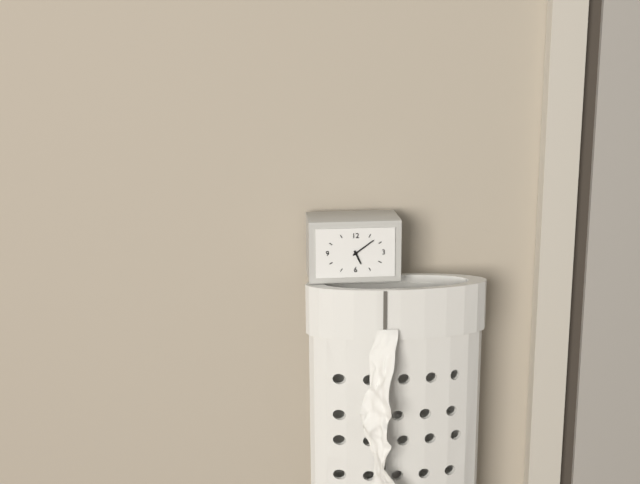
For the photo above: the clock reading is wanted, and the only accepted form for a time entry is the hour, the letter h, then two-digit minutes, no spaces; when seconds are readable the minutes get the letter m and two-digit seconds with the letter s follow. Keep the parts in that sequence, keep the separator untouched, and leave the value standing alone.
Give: 5h09
